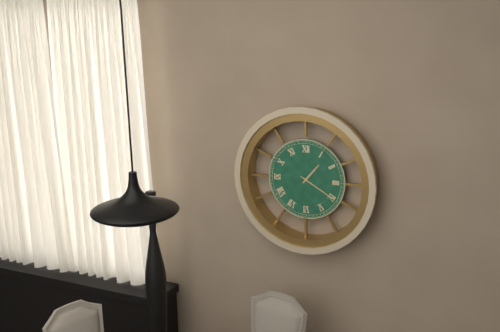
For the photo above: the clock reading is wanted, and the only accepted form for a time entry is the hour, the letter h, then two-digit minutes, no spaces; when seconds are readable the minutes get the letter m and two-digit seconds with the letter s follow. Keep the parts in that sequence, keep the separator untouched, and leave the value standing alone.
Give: 1h20
